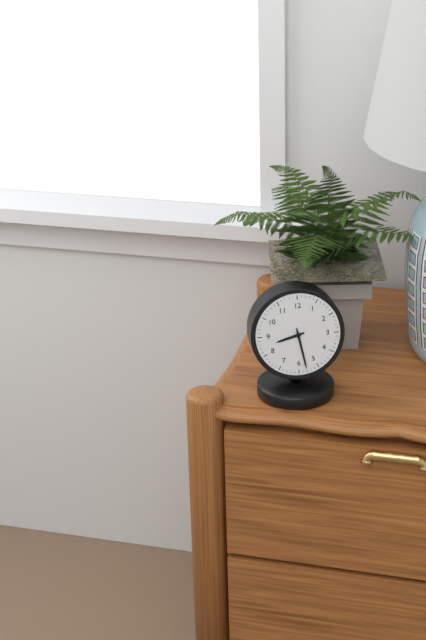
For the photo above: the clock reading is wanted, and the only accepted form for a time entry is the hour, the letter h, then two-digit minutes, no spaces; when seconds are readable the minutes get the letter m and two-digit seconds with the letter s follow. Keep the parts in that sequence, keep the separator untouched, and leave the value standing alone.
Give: 8h28
